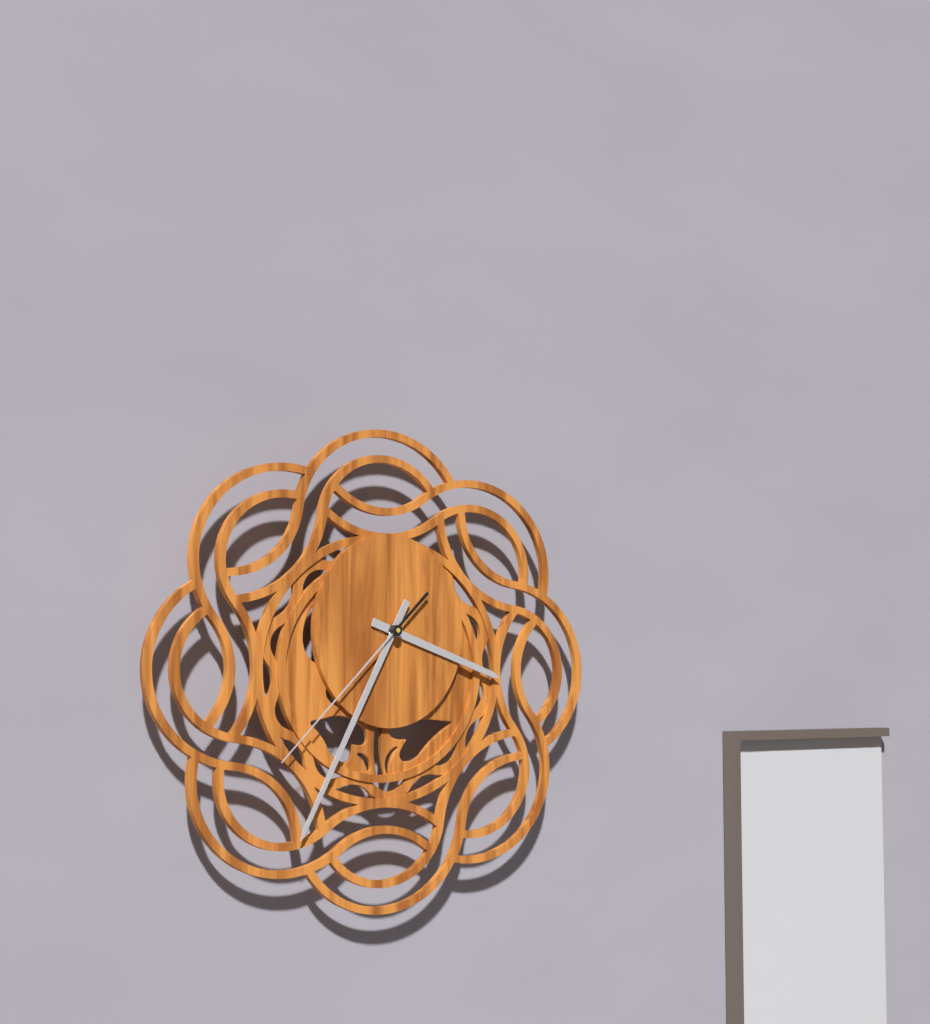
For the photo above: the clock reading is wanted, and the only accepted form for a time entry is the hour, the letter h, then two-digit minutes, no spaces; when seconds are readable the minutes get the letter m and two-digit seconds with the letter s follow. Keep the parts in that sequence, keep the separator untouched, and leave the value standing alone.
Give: 3h35m38s
